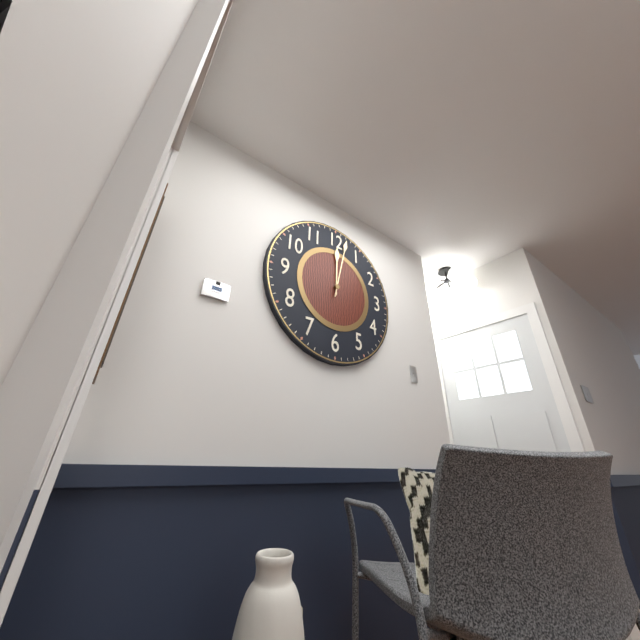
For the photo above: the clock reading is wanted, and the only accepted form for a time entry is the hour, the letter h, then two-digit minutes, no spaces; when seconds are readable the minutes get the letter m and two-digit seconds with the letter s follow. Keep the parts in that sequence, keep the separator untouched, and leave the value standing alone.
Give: 12h02
